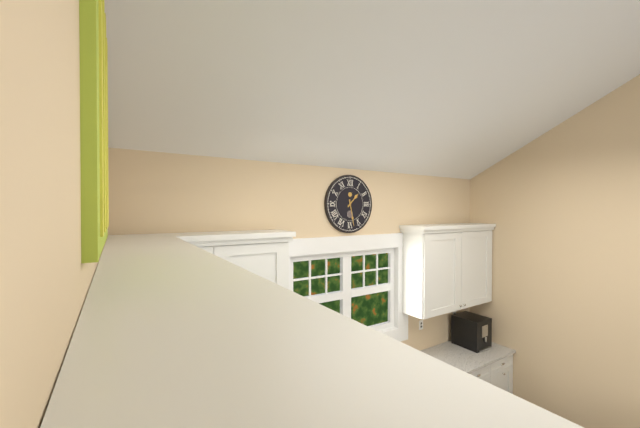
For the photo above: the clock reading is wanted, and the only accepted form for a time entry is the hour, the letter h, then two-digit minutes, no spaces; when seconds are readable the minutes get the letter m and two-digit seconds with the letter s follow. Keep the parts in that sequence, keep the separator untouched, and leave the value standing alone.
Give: 1h28
